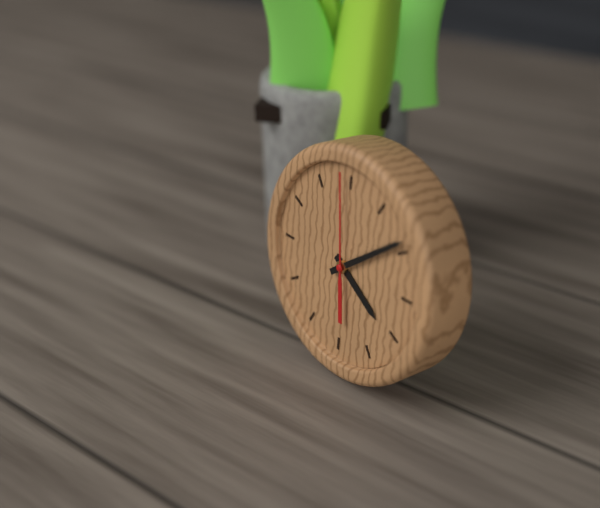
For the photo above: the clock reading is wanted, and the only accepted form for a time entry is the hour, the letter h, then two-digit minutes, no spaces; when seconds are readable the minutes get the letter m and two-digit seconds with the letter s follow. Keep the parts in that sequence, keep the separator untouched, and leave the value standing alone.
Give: 4h09m59s
